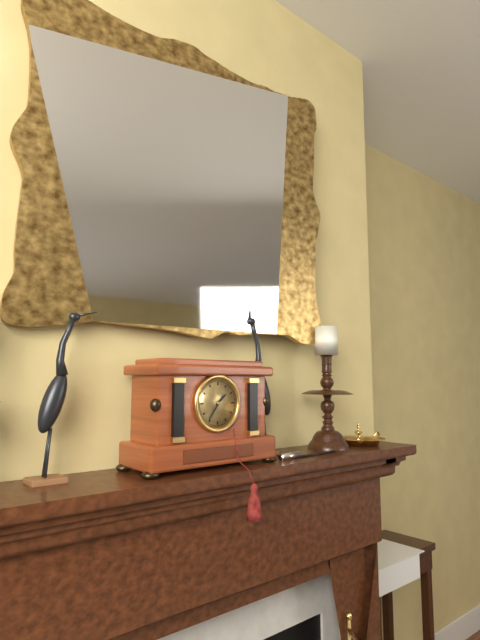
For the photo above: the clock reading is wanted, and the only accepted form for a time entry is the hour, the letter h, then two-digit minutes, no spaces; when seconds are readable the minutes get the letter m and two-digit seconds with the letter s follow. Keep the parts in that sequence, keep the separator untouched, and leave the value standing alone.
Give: 1h36
